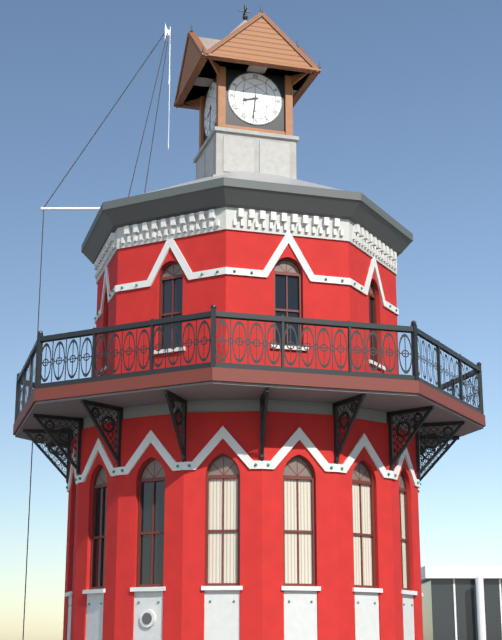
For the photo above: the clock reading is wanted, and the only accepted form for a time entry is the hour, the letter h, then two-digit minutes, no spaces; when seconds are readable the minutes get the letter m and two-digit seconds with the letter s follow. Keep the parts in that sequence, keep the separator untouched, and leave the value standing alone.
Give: 8h31
